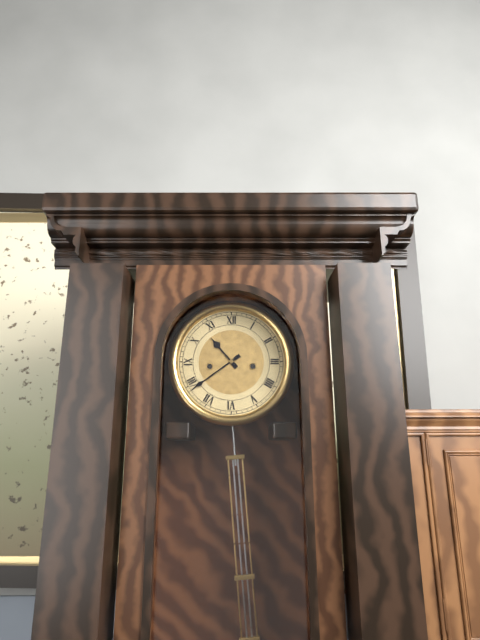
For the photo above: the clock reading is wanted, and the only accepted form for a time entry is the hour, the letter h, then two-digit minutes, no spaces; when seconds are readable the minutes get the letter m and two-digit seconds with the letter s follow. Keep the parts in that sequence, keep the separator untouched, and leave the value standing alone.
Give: 10h39
